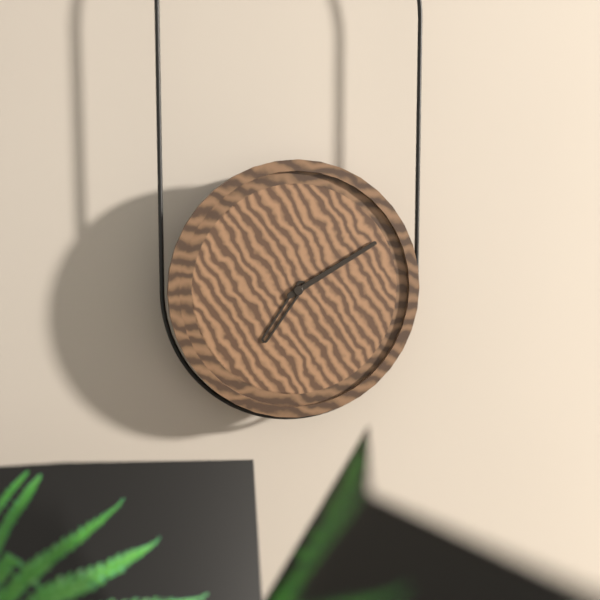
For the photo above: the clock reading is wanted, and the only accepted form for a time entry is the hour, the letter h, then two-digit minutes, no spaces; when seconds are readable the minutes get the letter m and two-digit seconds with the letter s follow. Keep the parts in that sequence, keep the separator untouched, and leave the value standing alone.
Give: 7h10
